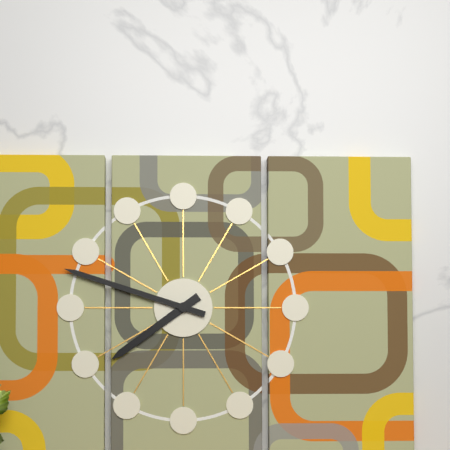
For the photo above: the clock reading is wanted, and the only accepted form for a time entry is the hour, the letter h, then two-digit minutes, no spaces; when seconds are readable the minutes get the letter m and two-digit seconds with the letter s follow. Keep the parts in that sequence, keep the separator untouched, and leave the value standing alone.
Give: 7h48
